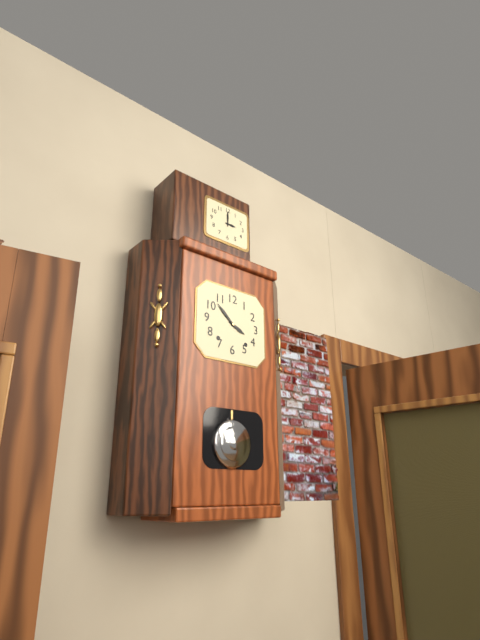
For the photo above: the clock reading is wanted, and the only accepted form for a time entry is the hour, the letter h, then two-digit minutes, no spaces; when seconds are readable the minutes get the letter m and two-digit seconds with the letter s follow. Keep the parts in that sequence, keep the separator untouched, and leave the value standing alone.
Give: 3h52
